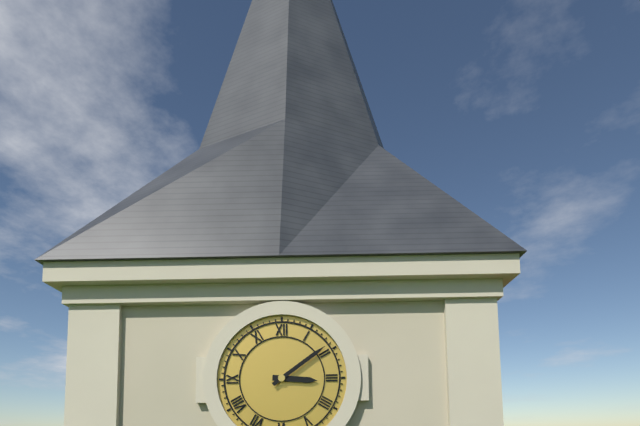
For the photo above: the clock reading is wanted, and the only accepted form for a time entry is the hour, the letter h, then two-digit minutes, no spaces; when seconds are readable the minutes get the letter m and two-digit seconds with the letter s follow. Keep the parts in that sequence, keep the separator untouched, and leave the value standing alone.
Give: 3h09
